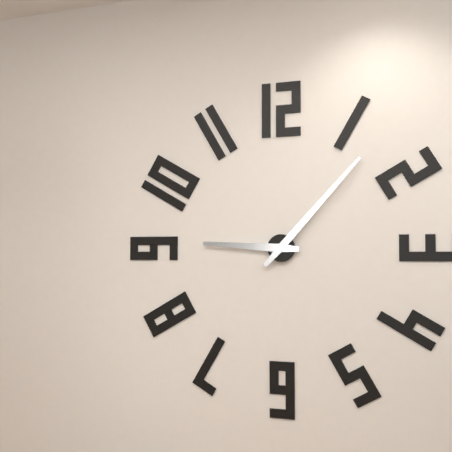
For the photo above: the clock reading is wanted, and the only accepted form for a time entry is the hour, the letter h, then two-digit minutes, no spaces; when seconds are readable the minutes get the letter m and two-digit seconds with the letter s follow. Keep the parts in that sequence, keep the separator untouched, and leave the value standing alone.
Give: 9h07
